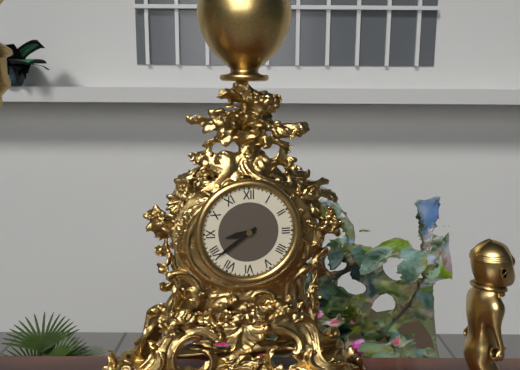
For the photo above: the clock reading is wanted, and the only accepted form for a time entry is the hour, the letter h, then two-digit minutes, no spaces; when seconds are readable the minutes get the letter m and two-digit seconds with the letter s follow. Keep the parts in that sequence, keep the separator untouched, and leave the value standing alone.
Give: 8h39
